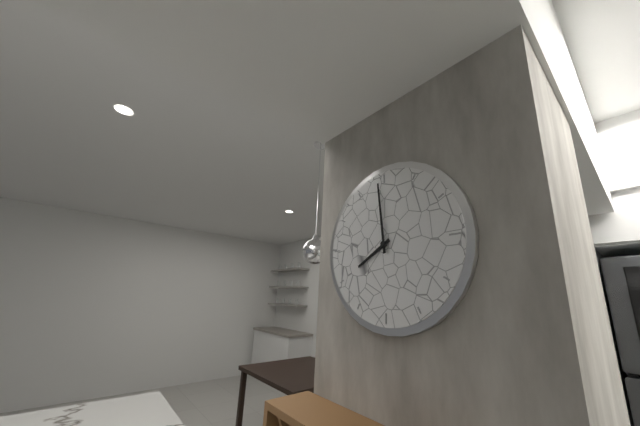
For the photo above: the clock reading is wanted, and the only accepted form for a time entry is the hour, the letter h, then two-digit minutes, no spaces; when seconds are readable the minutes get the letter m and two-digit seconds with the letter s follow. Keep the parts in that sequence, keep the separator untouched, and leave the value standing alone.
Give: 7h59
